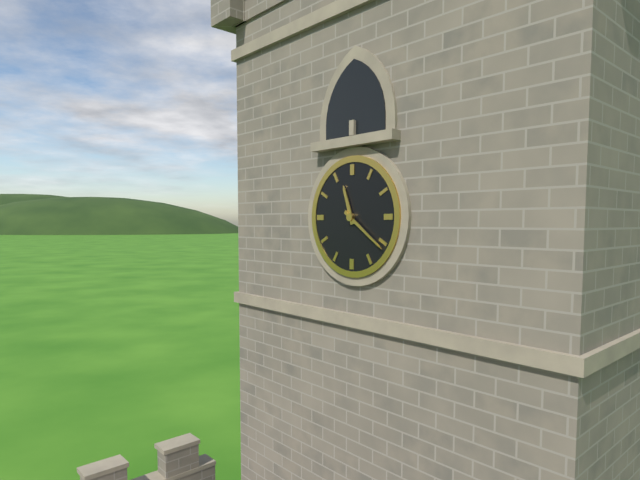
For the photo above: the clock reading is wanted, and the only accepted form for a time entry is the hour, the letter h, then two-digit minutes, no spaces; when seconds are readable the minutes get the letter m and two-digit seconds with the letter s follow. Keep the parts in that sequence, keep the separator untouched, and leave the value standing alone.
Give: 11h21
